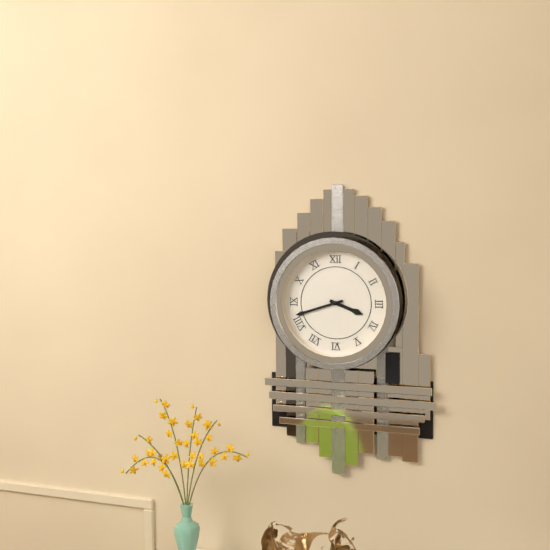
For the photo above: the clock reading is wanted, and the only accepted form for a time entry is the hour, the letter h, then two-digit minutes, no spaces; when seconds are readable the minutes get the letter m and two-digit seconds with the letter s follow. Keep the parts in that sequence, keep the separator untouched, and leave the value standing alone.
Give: 3h42
